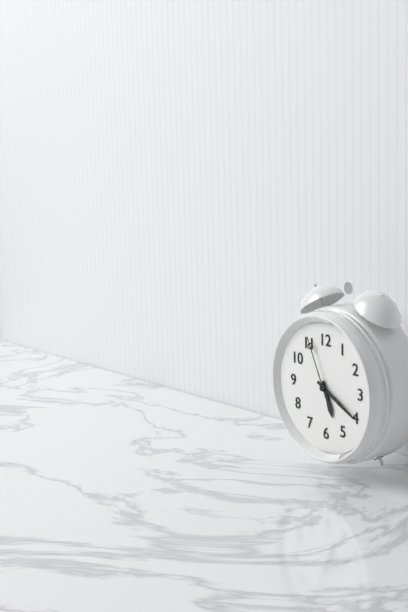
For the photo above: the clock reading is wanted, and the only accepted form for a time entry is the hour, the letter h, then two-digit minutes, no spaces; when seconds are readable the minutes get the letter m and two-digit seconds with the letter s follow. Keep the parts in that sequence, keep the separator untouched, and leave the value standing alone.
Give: 5h20m56s
